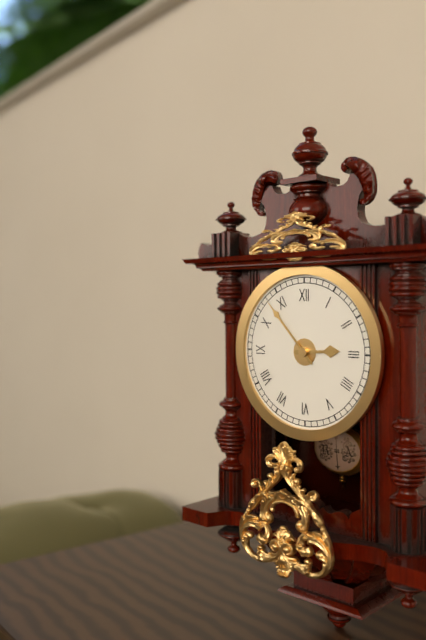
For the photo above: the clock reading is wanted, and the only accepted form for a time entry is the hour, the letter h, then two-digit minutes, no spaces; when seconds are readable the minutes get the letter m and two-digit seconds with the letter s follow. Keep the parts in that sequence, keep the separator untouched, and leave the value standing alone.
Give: 2h53
